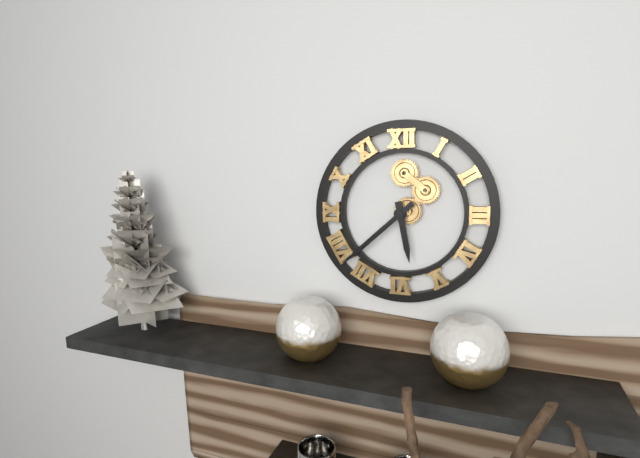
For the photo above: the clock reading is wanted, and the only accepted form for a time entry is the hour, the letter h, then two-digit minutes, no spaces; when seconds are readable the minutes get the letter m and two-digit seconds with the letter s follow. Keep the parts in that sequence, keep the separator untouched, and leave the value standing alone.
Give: 5h38
